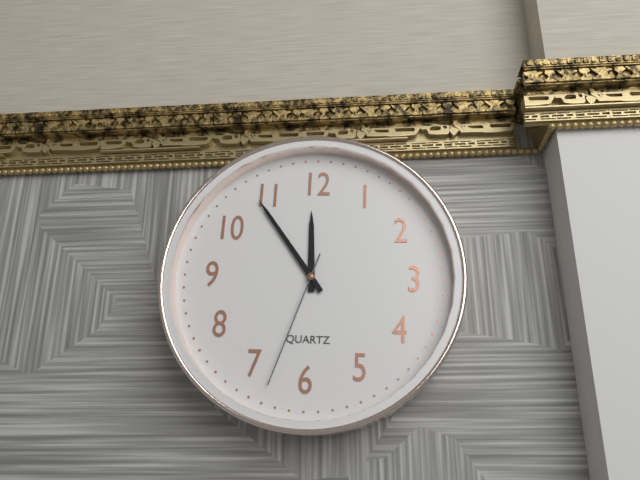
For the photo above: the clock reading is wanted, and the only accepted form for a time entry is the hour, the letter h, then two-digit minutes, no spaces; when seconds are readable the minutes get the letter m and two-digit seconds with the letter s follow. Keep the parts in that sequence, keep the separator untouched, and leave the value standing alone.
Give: 11h54m33s
